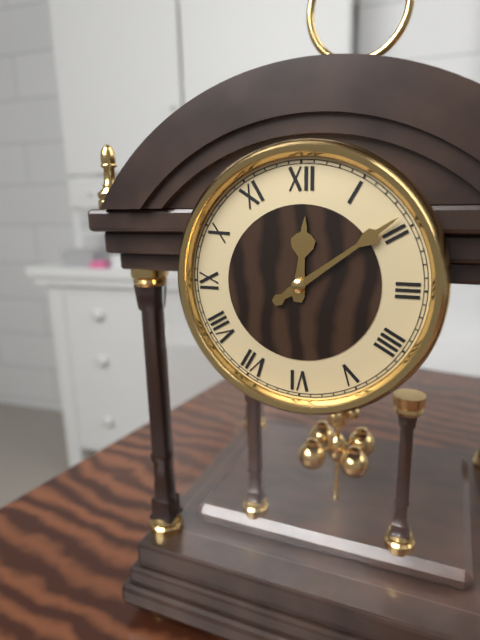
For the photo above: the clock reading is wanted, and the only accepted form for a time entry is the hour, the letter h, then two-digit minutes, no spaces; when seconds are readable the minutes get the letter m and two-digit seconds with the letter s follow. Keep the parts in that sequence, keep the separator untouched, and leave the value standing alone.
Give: 12h09
